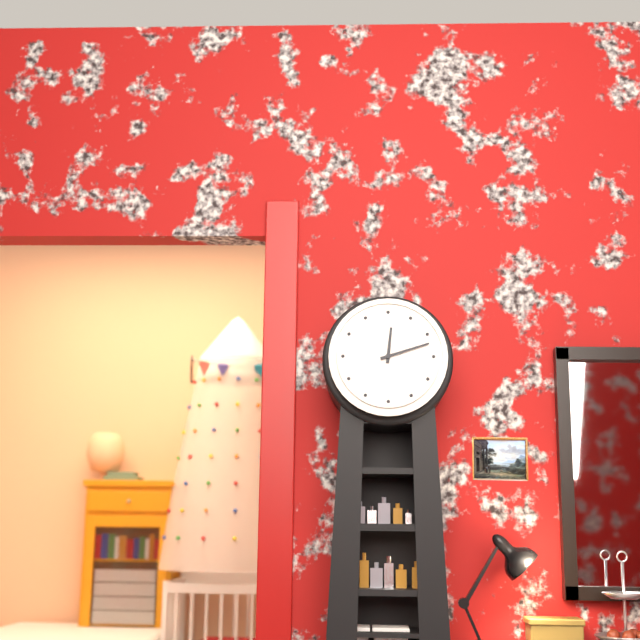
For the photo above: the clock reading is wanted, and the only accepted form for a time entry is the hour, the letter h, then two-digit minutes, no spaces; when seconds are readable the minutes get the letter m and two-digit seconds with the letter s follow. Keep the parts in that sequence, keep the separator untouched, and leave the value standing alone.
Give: 12h12
